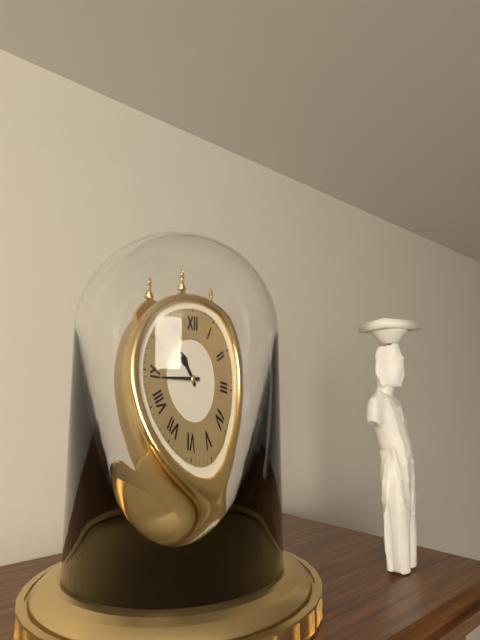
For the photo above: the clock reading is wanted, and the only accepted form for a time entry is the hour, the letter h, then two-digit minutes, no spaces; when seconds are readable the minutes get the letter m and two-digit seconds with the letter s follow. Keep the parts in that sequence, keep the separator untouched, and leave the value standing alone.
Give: 10h44
